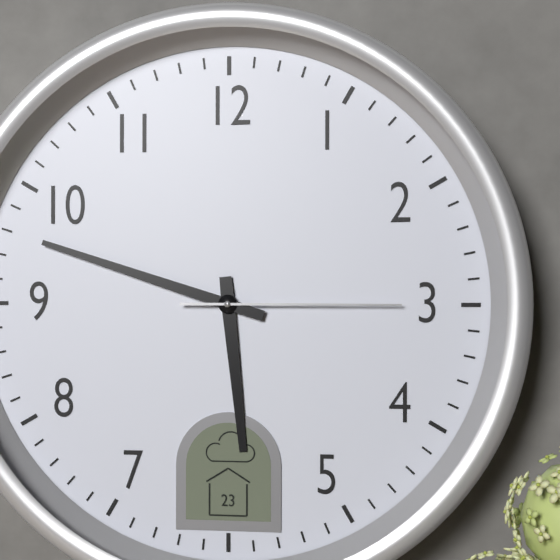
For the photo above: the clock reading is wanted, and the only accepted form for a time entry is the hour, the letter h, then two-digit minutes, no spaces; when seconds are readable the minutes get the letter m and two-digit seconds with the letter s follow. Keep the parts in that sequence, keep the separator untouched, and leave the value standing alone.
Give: 5h48m15s
